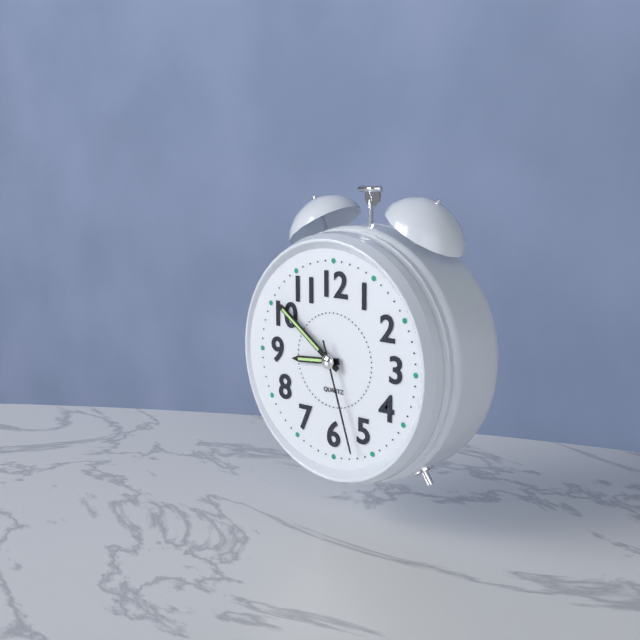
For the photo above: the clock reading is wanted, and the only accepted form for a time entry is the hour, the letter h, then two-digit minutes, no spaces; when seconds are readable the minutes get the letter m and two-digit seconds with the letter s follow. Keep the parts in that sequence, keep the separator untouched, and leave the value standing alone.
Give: 8h51m27s
